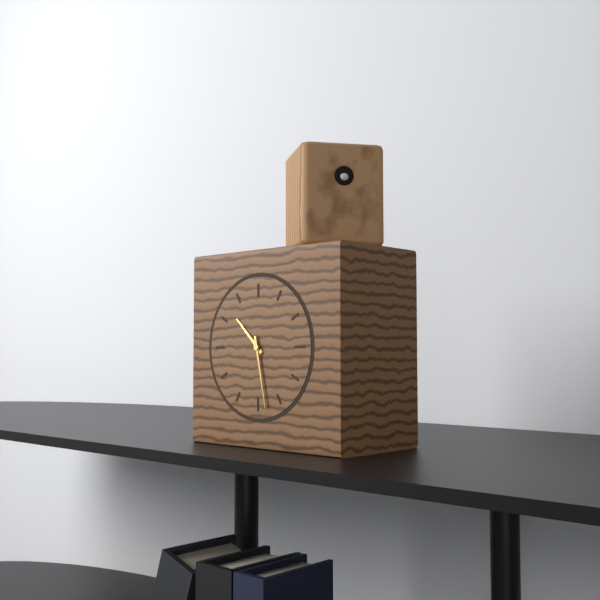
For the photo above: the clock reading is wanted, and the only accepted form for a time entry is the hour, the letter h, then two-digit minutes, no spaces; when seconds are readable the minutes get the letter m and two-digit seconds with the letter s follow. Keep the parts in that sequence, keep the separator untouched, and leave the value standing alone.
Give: 10h28
